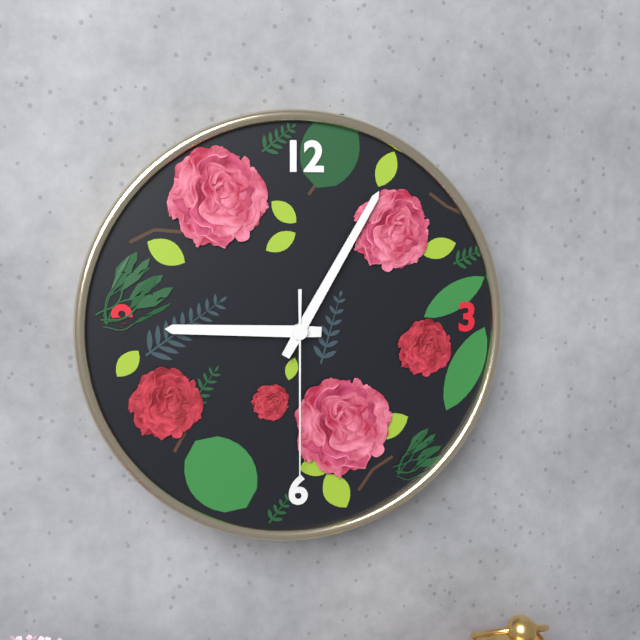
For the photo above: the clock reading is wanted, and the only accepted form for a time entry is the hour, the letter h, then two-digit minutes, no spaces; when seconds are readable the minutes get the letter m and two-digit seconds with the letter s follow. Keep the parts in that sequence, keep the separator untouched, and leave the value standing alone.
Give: 9h05m30s
